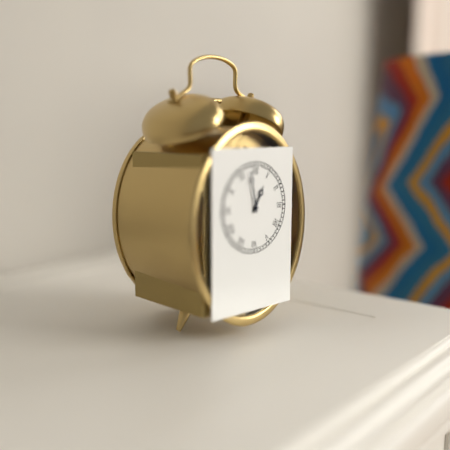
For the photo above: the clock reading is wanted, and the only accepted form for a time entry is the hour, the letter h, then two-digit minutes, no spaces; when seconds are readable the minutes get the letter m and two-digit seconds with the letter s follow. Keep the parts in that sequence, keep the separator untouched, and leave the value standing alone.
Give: 12h58
